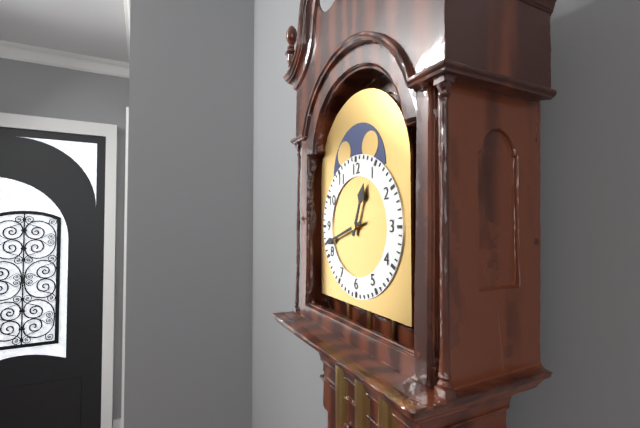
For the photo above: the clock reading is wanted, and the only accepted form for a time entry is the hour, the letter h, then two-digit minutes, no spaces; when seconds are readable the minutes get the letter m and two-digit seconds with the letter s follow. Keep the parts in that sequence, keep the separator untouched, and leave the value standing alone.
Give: 12h42
